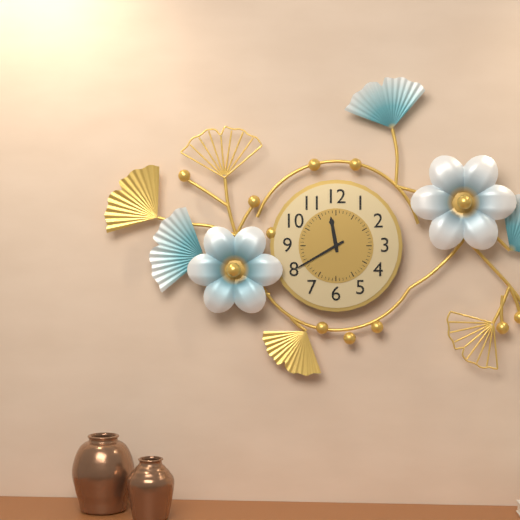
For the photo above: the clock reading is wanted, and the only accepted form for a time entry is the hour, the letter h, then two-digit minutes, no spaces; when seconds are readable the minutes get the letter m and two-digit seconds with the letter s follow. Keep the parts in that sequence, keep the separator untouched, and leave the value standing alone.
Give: 11h40
